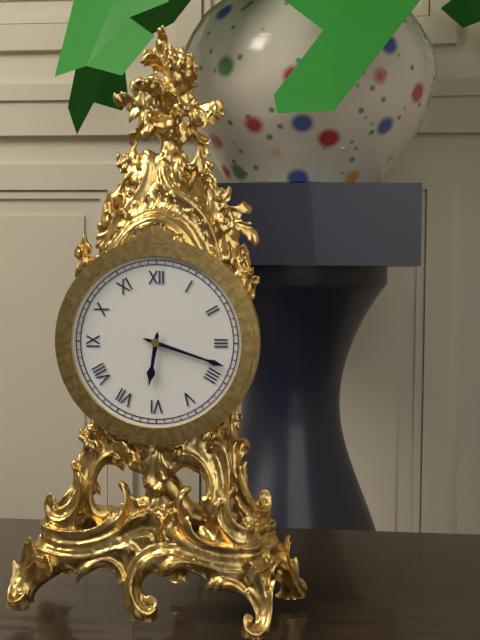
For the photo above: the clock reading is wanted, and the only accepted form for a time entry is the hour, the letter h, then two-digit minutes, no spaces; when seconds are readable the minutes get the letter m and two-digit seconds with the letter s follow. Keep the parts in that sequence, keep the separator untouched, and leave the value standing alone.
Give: 6h18
